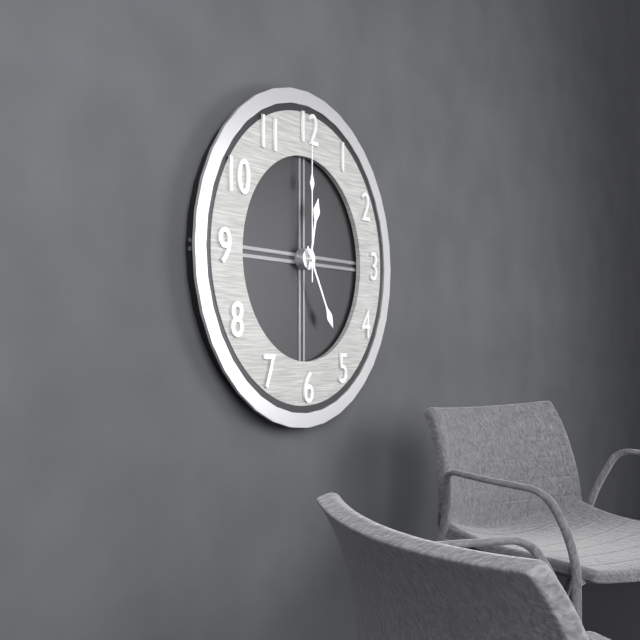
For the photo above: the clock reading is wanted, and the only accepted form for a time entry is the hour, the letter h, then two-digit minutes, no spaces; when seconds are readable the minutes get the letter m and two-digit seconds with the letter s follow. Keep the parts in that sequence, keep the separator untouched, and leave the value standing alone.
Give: 12h25m00s
